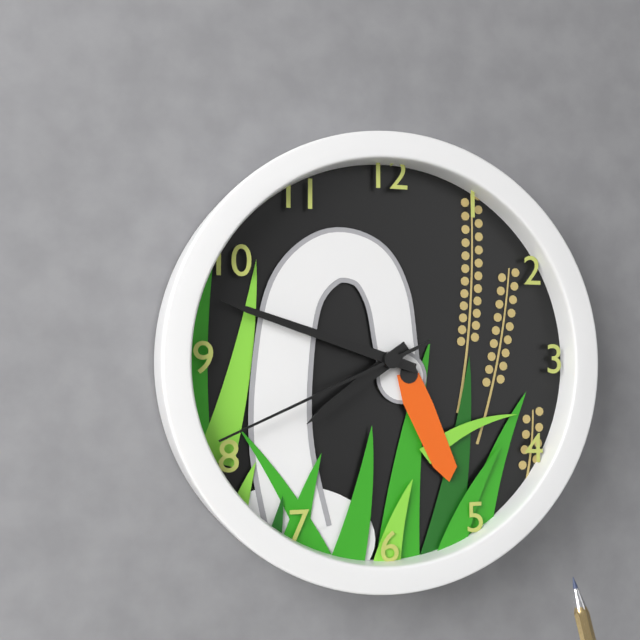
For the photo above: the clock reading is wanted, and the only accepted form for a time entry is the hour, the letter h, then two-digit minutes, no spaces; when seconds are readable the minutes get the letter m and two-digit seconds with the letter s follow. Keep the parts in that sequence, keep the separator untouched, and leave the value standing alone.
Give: 7h48m41s
